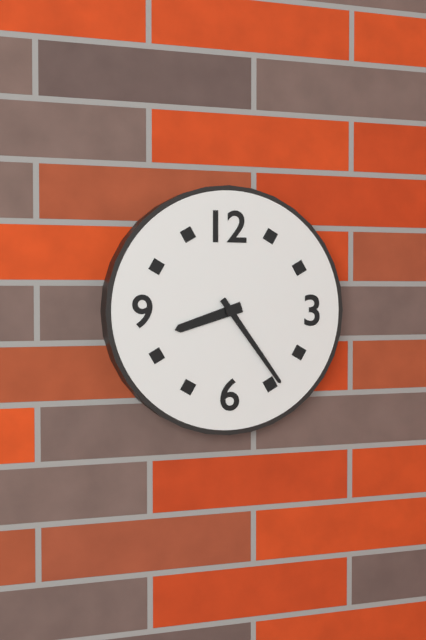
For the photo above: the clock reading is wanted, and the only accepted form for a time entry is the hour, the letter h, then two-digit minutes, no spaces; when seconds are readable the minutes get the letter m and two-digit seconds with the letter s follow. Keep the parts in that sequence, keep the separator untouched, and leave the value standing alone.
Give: 8h24
